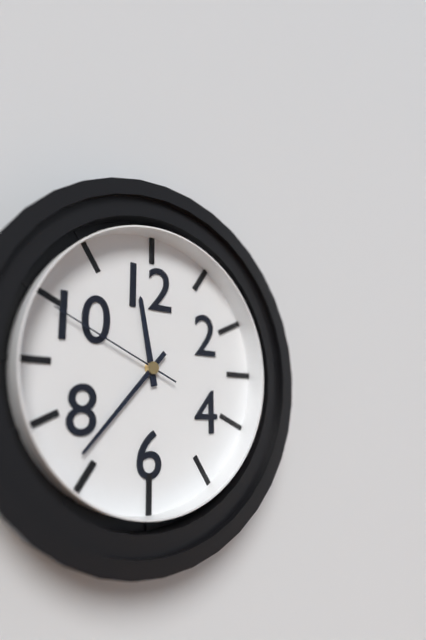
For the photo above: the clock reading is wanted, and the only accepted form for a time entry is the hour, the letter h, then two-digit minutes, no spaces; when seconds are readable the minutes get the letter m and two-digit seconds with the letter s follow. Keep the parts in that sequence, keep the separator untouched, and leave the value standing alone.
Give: 11h37m49s
